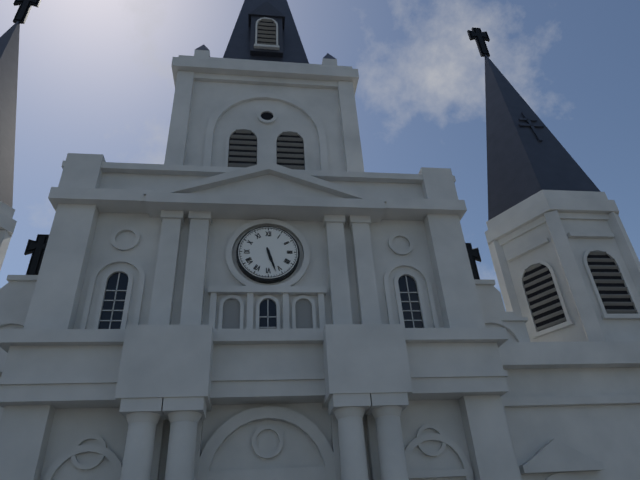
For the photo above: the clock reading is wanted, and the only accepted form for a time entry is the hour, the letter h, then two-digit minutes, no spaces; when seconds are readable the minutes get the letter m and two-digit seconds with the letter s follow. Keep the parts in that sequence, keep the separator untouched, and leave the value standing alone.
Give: 5h27
